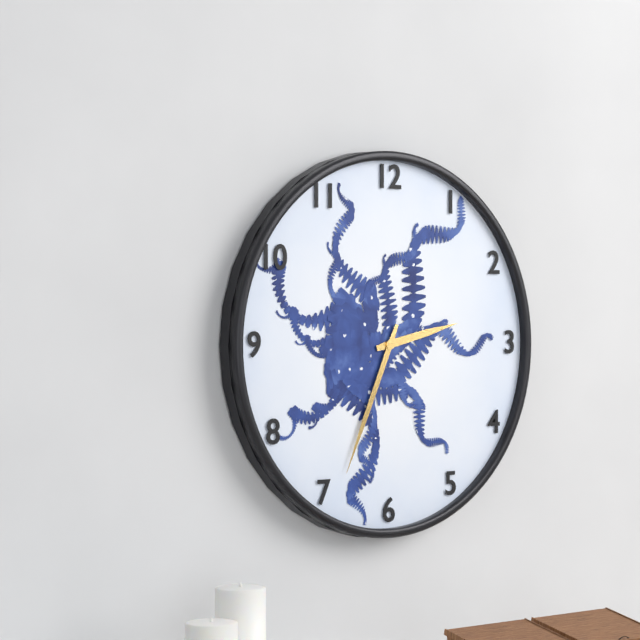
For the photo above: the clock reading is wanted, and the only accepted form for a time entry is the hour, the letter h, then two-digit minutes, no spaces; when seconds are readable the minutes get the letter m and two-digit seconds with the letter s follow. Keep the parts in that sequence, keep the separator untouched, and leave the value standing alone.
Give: 2h34
